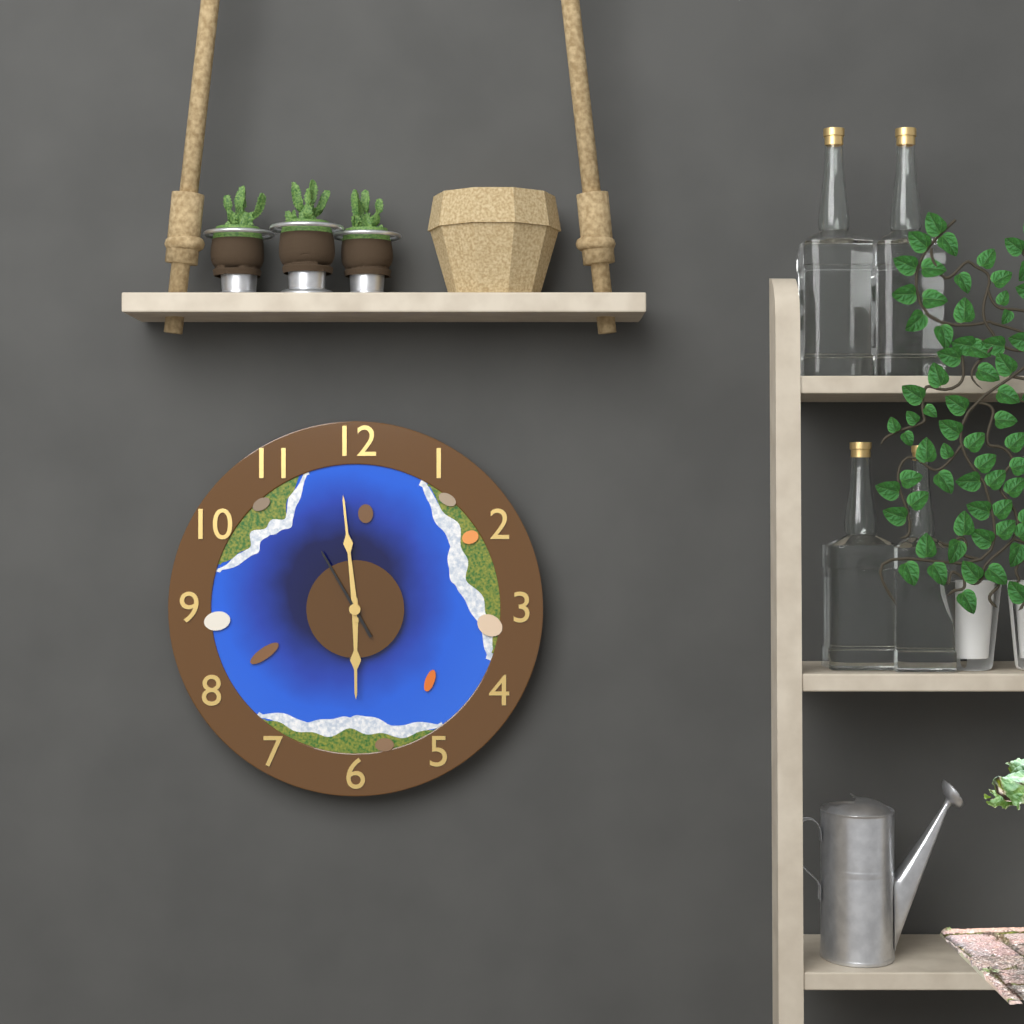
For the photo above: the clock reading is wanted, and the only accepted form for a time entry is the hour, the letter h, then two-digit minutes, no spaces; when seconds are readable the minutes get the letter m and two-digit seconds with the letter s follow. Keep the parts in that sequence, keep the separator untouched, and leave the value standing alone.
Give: 5h59m55s
